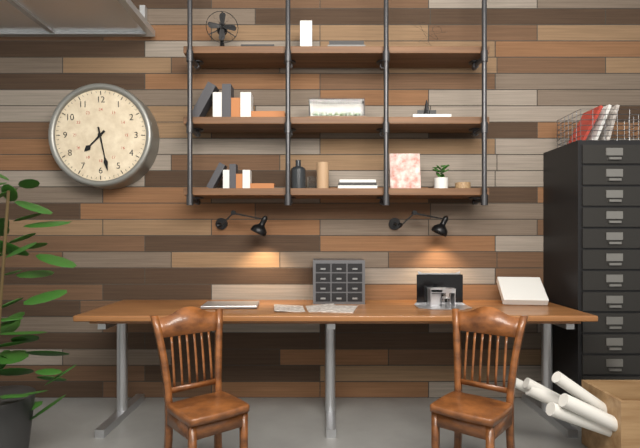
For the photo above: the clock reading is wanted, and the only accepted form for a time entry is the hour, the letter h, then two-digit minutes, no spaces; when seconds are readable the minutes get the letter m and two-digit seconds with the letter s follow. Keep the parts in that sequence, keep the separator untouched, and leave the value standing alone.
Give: 7h28
